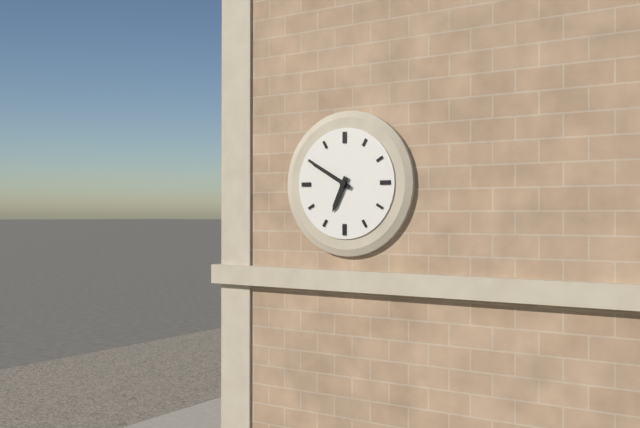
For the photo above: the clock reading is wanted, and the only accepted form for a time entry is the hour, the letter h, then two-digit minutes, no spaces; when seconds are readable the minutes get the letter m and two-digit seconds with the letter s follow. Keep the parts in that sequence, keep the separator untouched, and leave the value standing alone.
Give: 6h50
